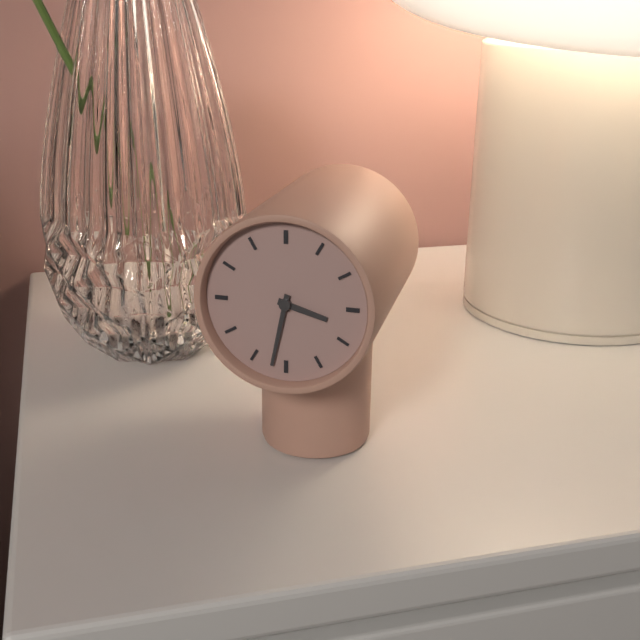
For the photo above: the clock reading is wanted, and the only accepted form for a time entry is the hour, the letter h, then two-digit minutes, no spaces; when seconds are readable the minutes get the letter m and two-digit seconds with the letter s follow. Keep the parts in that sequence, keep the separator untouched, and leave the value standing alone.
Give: 3h32
